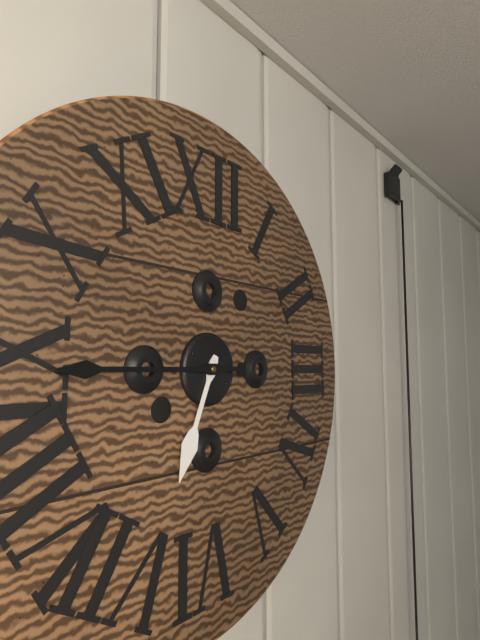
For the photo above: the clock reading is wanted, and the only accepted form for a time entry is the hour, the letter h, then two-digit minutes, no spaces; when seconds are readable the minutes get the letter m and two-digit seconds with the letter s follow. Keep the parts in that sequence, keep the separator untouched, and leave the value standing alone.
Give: 6h45
